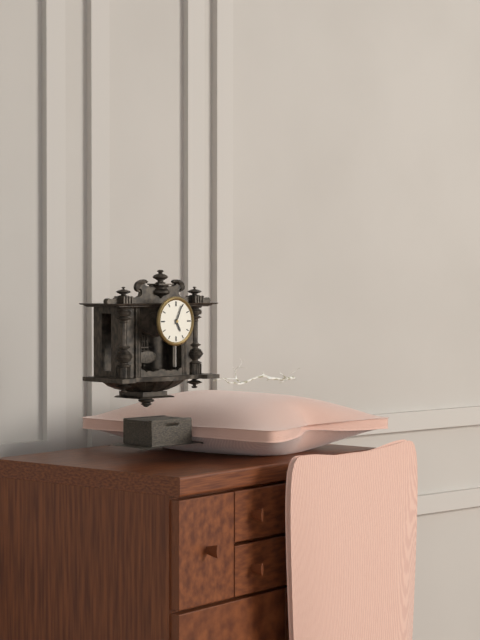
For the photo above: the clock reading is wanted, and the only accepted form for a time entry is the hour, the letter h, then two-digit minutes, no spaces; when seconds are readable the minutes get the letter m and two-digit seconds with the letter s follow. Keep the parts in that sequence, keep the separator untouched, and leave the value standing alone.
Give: 5h04
